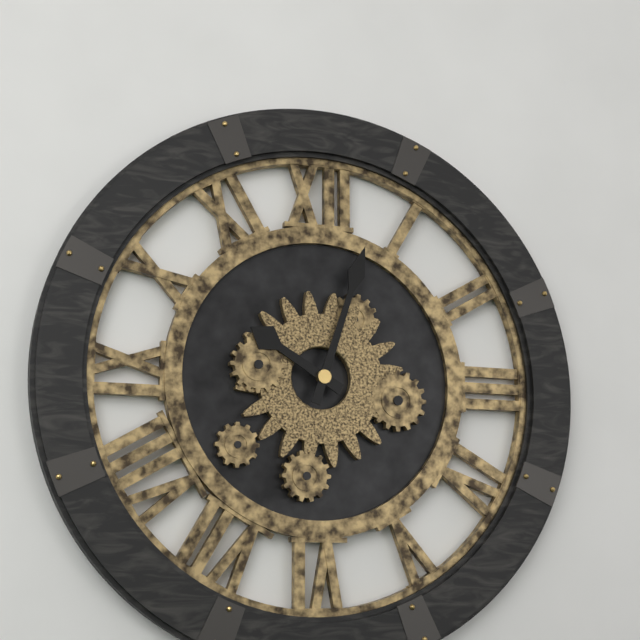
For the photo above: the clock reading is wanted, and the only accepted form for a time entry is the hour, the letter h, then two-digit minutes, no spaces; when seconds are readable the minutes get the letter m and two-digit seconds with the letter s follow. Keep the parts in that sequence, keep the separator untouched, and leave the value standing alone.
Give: 10h03
